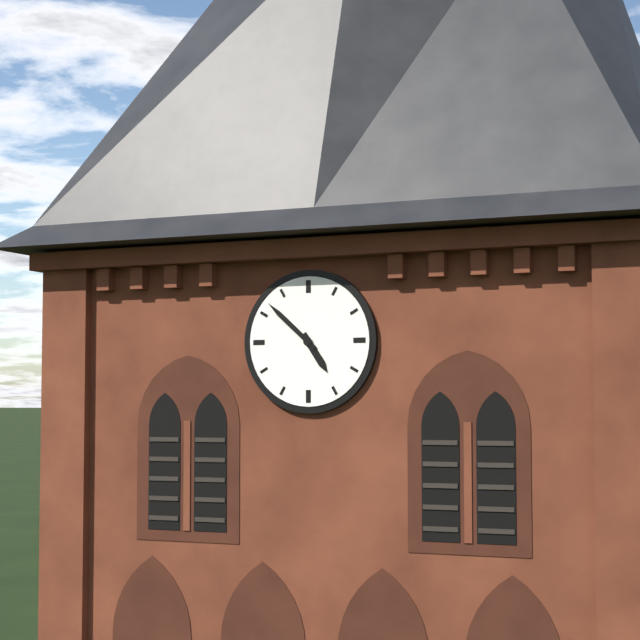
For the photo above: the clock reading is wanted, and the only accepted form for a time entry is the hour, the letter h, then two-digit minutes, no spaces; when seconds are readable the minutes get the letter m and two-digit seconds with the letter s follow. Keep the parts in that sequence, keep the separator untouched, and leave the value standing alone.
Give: 4h52
